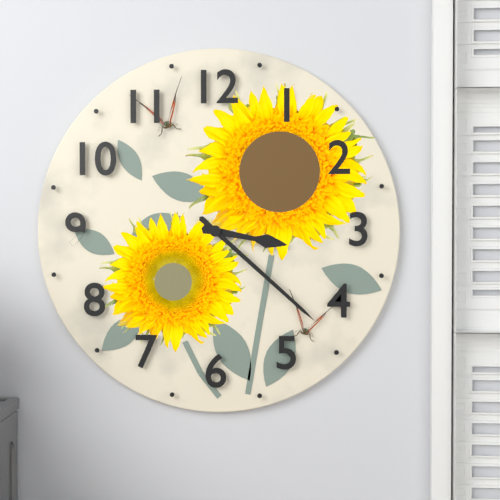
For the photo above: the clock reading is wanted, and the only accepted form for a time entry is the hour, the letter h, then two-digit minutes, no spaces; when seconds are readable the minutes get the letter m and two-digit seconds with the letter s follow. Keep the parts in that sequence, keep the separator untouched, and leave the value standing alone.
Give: 3h22
